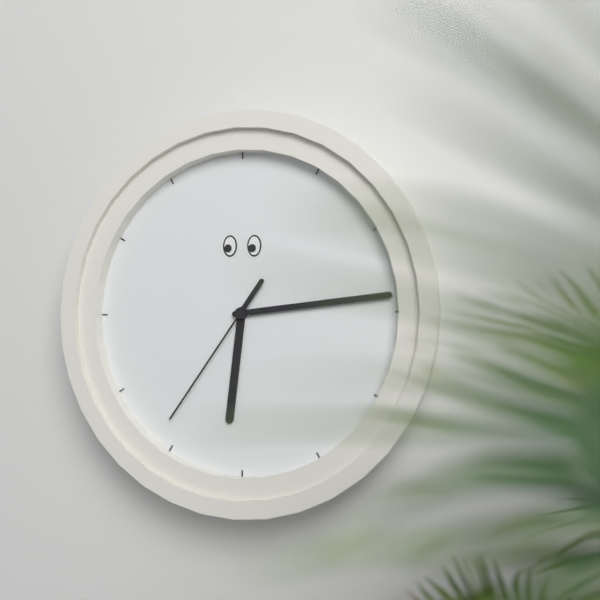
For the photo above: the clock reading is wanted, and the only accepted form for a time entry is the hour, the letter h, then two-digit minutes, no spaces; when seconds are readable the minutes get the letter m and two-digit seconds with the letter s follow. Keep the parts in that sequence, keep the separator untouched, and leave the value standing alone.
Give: 6h14m36s
